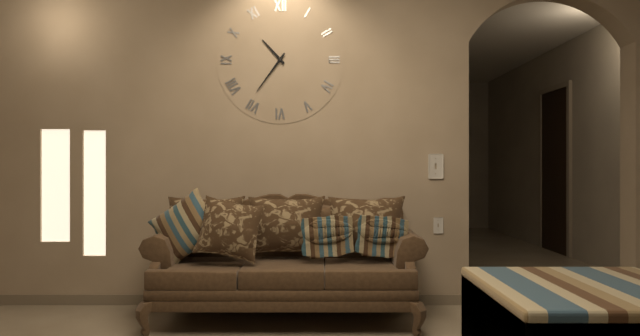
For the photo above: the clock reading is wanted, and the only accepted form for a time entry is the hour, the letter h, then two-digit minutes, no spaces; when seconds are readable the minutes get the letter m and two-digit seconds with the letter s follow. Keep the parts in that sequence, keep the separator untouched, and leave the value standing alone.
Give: 10h36
